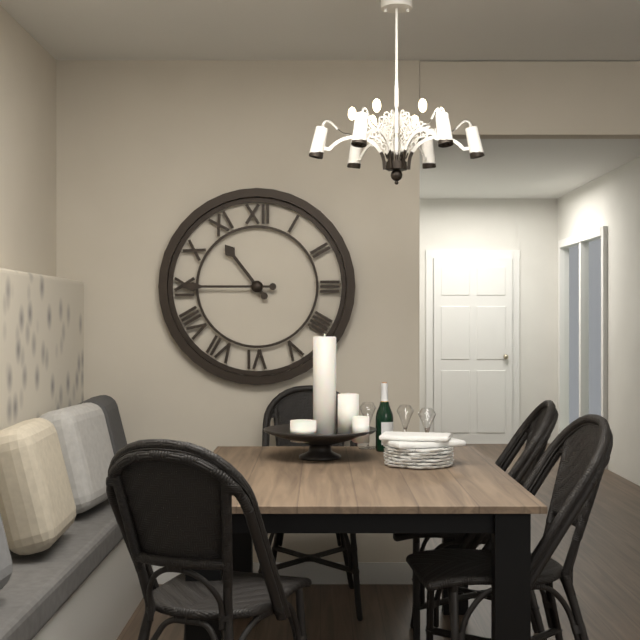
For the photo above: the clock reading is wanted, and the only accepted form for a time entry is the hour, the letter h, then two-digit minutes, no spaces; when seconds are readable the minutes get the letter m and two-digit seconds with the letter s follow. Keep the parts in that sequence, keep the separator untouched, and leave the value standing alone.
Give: 10h45
